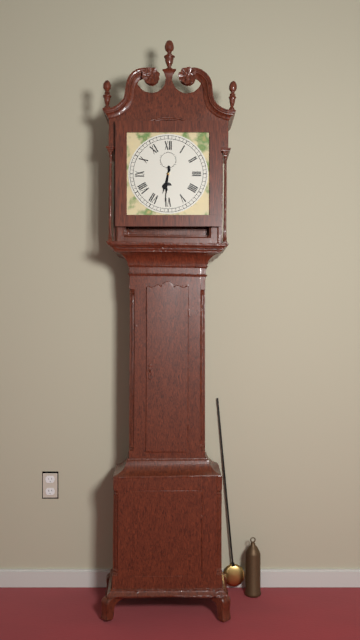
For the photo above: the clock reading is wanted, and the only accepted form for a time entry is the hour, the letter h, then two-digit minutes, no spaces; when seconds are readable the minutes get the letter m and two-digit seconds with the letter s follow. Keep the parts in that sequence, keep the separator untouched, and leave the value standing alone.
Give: 6h31
